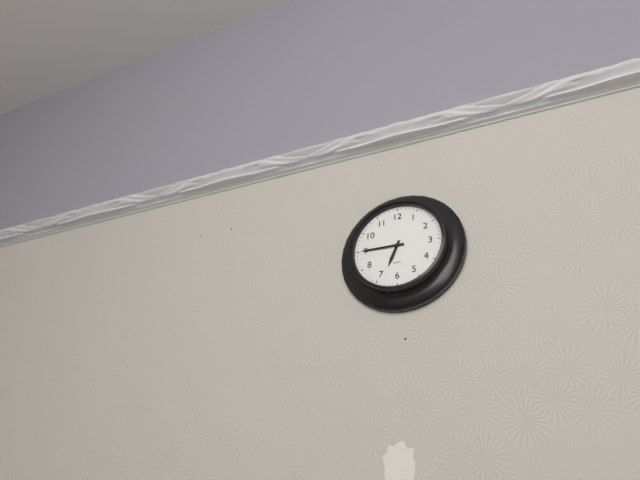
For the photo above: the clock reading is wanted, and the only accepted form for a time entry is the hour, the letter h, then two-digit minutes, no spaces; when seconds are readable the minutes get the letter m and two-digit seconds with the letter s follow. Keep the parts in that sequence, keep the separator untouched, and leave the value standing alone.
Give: 6h45
